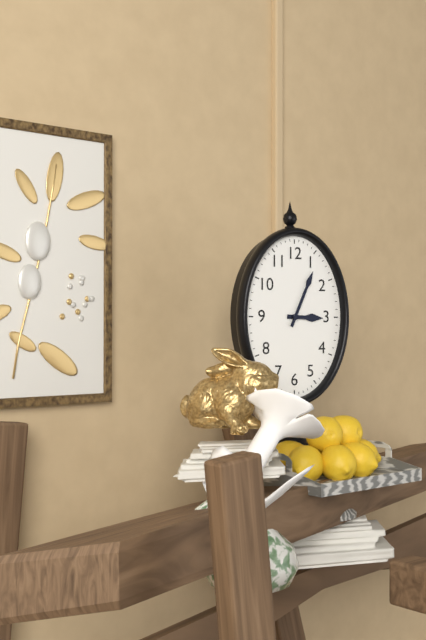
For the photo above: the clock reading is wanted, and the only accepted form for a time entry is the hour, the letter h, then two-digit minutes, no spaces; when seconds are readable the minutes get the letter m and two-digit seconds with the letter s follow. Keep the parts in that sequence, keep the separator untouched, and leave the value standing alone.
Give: 3h04
